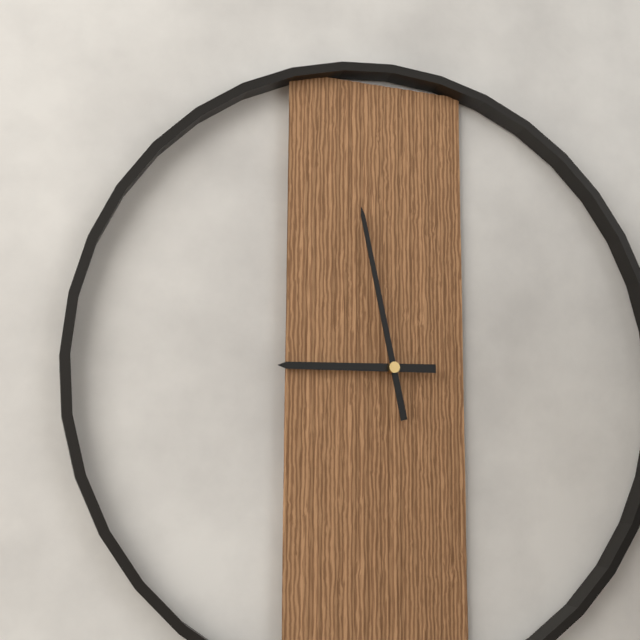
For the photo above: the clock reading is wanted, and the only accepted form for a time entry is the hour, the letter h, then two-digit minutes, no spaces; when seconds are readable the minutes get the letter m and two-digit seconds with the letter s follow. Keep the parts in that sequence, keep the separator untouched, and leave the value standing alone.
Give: 8h58
